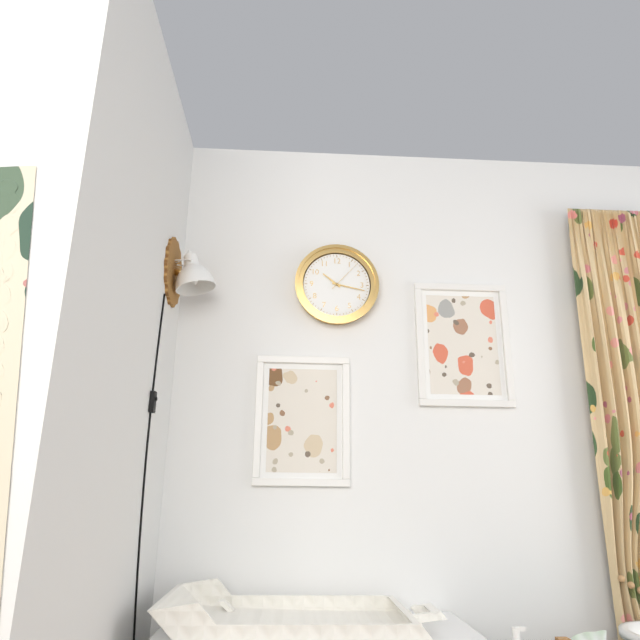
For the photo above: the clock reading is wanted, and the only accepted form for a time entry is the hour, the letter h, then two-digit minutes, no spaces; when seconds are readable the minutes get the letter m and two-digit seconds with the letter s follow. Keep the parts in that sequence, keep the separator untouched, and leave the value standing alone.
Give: 10h17
